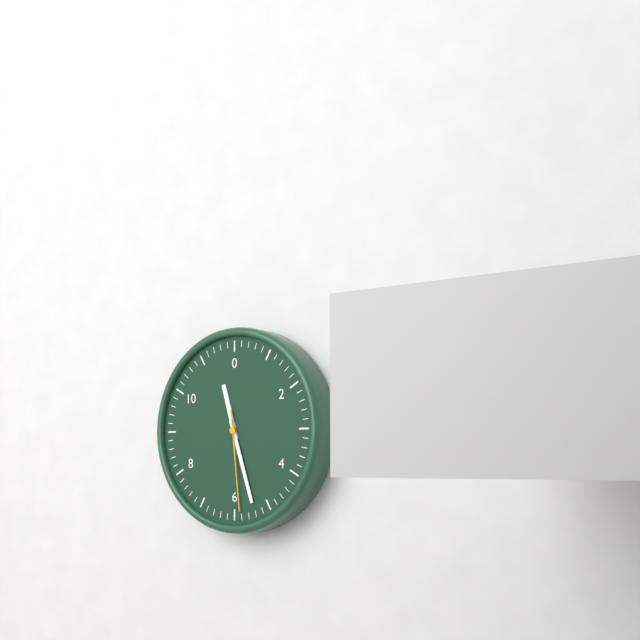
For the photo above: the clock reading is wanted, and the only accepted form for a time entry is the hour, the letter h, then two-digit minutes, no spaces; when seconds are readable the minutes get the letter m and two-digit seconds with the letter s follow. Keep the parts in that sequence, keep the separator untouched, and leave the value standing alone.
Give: 11h27m29s
